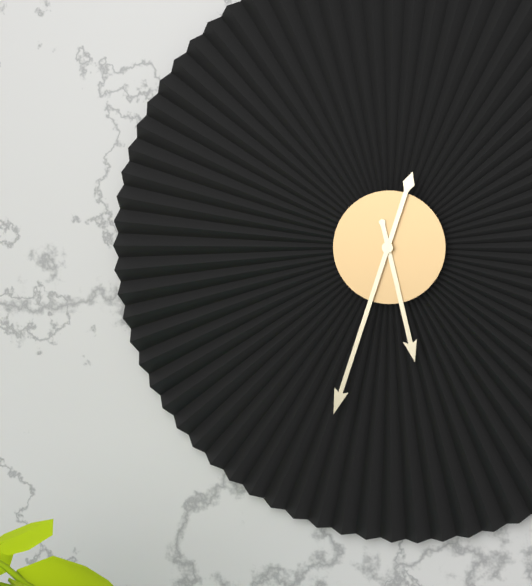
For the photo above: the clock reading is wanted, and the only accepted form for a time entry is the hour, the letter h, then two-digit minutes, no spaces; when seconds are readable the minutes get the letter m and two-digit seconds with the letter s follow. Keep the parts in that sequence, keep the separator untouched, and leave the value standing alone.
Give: 5h33
